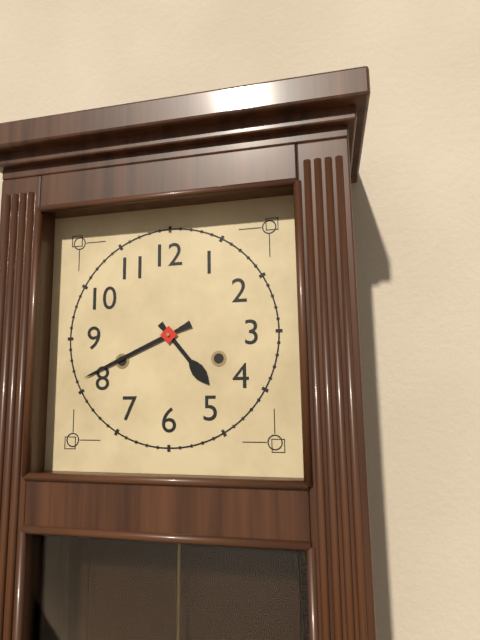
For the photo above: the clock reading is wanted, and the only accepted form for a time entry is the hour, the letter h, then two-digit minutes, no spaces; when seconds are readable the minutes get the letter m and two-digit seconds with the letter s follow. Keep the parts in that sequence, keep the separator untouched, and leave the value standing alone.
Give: 4h41
